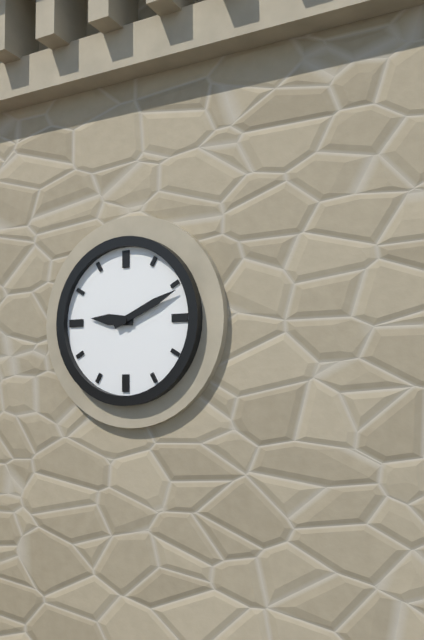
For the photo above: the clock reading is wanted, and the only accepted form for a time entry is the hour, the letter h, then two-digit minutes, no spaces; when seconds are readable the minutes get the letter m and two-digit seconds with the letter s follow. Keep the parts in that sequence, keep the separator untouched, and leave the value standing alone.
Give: 9h11
